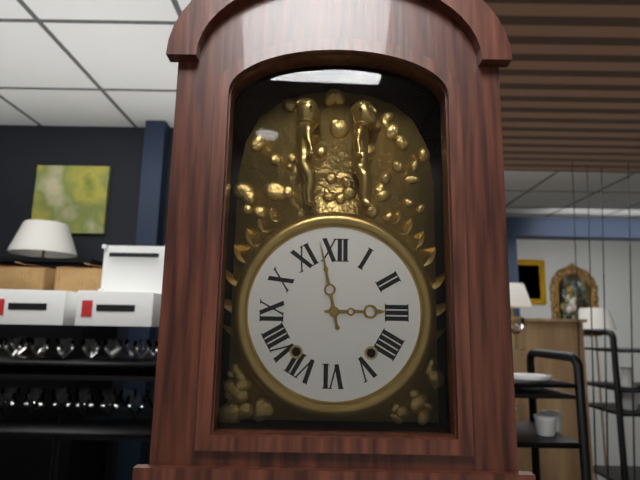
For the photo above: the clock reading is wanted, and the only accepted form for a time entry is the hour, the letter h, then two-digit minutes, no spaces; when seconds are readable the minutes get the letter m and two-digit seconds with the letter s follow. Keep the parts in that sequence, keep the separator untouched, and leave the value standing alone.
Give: 2h58
